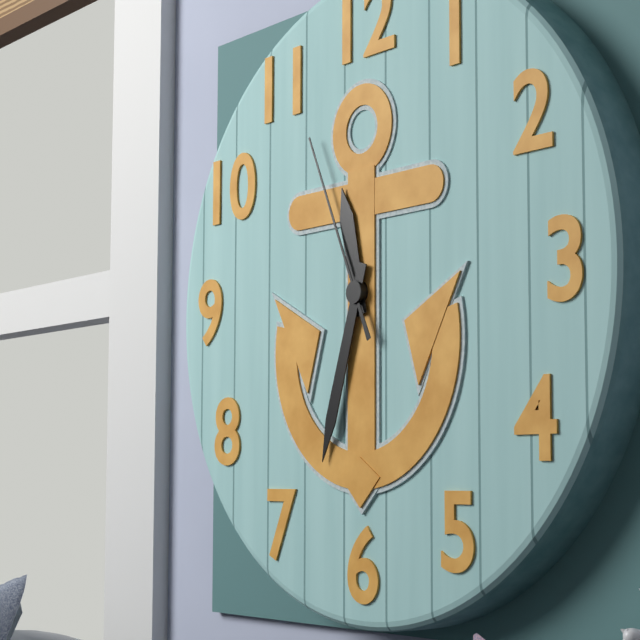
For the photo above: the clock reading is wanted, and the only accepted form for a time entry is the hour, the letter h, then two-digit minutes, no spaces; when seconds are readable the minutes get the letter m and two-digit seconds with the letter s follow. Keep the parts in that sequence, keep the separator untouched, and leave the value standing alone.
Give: 11h33m56s
